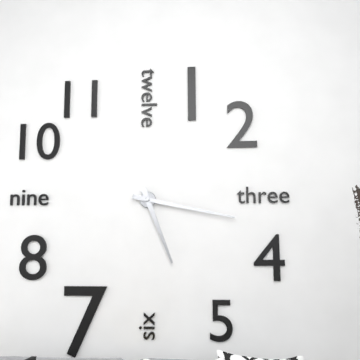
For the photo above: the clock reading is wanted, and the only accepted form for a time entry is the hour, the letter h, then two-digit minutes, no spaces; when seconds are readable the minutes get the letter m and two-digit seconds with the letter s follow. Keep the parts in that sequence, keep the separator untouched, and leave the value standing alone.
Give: 5h17
